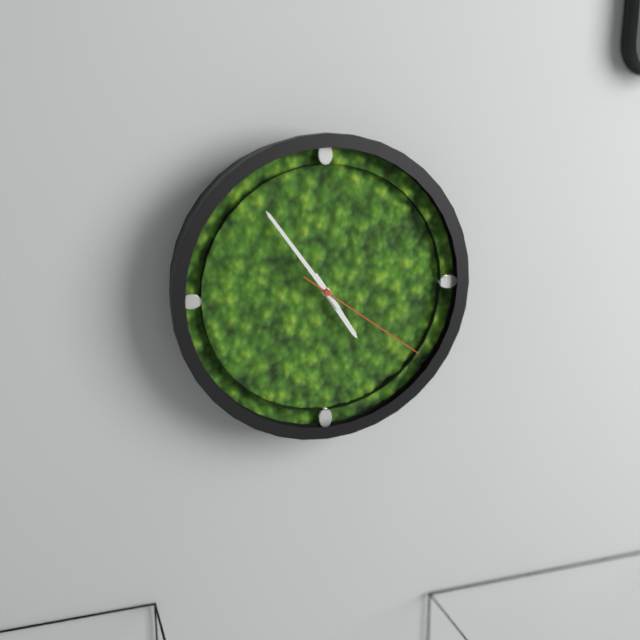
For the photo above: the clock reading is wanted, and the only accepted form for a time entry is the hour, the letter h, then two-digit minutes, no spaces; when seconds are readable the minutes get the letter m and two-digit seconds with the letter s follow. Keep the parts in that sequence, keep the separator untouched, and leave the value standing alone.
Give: 4h54m21s
